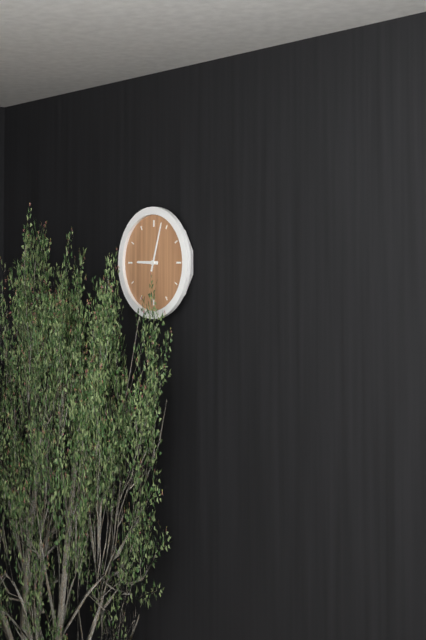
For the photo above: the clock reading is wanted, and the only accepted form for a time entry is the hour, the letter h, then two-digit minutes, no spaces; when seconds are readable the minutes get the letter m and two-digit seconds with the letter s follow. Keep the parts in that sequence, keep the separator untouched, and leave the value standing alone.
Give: 9h03
